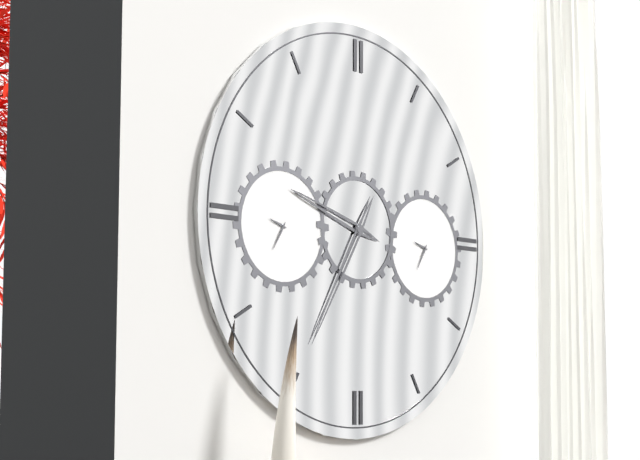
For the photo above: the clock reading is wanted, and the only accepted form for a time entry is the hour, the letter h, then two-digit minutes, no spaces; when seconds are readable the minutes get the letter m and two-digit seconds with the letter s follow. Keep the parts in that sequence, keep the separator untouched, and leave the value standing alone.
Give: 9h35
